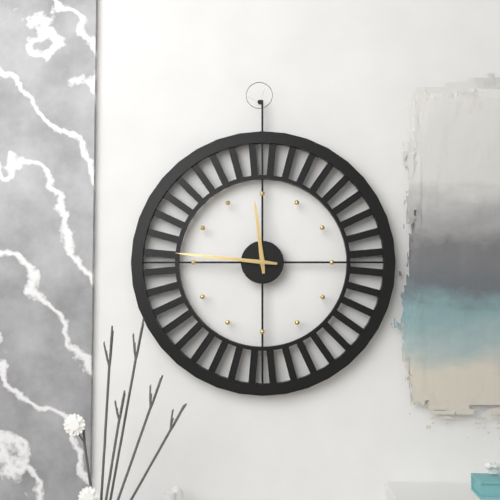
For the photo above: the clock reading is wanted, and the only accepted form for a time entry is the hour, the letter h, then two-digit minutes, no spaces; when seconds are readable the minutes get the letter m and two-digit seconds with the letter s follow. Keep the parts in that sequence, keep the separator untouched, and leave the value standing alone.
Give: 11h46
